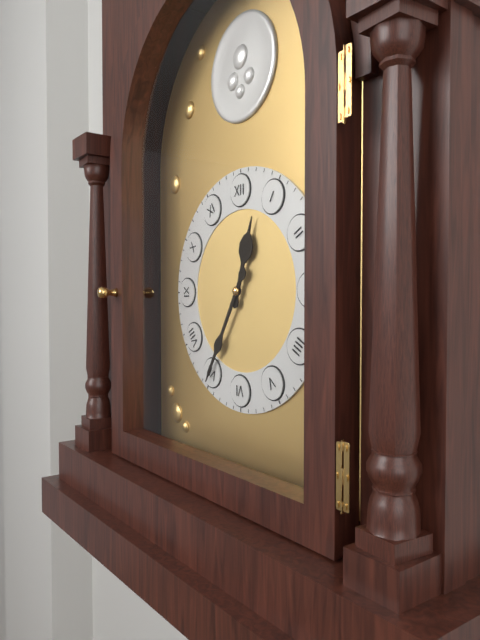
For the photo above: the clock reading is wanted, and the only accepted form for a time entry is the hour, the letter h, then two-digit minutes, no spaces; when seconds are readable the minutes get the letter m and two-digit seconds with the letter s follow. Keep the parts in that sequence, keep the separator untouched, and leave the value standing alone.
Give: 12h35
